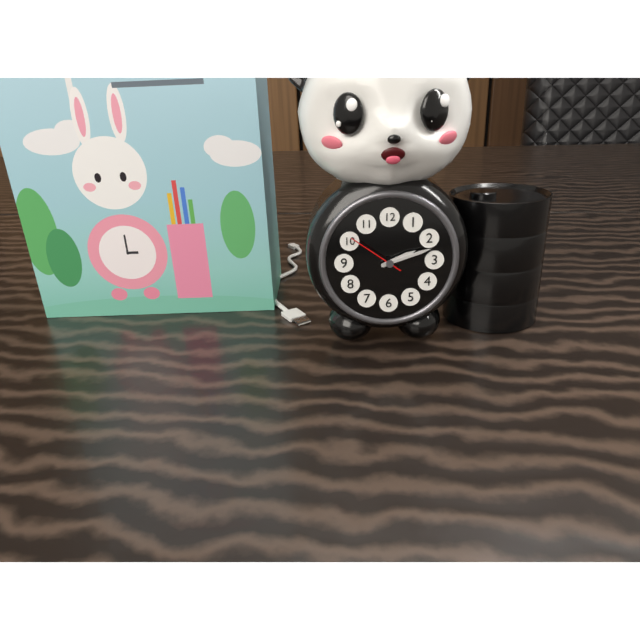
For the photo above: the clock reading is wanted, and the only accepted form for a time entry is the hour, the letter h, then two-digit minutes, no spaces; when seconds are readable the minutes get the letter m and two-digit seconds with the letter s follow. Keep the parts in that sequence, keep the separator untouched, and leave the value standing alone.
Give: 2h12m51s
